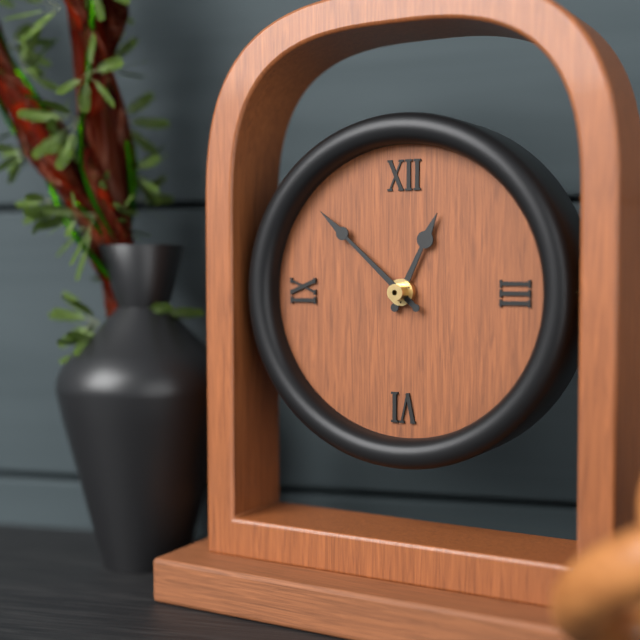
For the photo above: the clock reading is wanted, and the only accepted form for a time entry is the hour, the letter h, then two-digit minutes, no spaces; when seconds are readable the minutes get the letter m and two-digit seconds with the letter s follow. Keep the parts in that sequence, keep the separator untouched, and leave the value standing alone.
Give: 12h52
